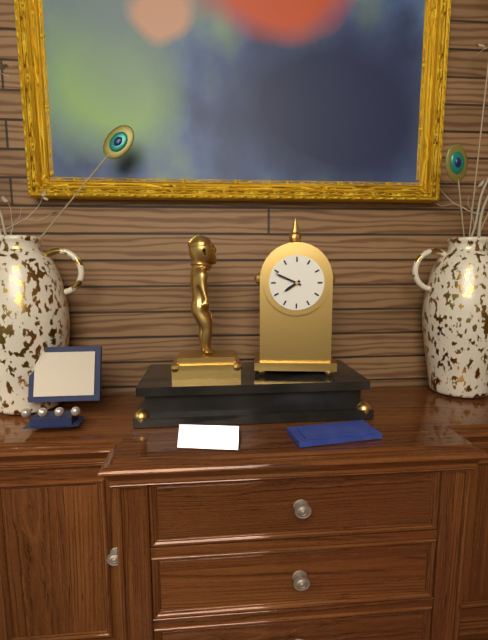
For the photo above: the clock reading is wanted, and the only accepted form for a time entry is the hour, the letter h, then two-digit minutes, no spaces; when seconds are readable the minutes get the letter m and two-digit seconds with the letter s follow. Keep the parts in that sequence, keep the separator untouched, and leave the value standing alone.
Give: 7h49
